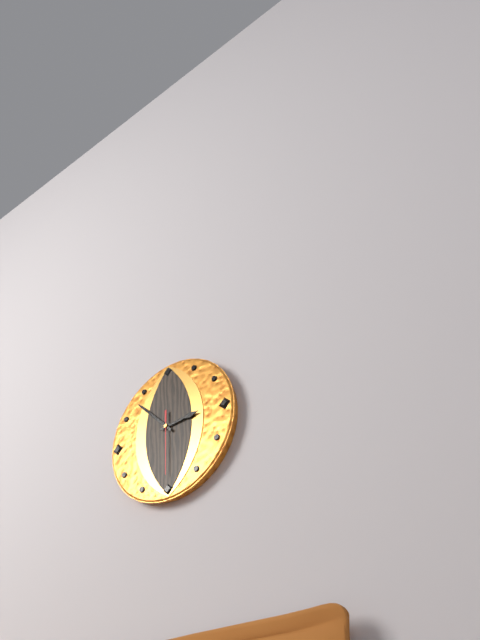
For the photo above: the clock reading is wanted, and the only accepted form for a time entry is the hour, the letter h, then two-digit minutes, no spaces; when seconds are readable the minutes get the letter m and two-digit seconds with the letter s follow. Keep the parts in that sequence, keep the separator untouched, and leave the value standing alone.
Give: 2h53m30s
